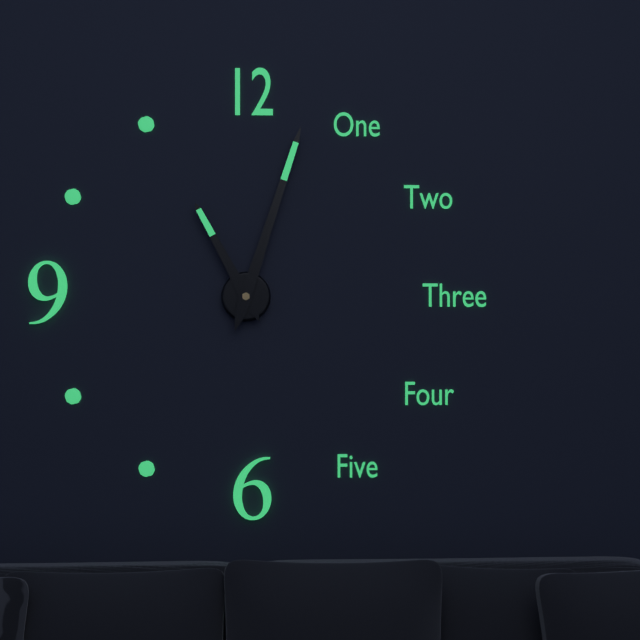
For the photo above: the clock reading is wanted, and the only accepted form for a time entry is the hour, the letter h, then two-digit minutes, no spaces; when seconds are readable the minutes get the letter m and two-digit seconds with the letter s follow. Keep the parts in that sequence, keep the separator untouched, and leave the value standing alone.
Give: 11h03
